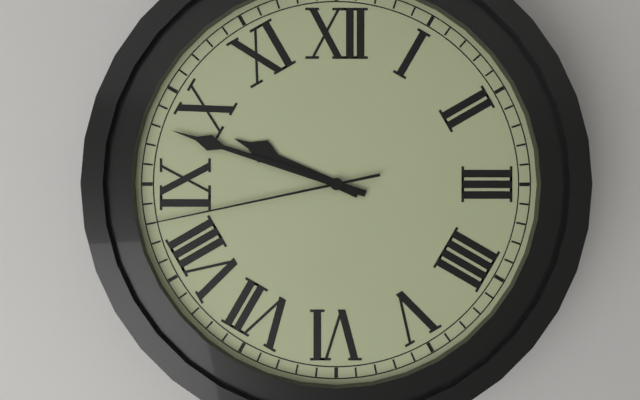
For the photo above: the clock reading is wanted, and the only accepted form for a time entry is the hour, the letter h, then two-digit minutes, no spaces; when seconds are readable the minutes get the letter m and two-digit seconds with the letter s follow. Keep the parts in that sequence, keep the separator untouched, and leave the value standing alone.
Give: 9h48m43s
